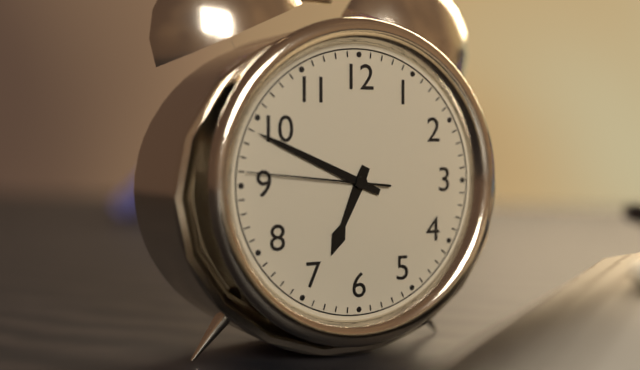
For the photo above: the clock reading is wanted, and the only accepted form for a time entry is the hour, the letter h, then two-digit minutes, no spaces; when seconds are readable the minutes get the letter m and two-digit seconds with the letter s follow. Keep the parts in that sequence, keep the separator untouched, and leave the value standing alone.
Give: 6h49m46s
